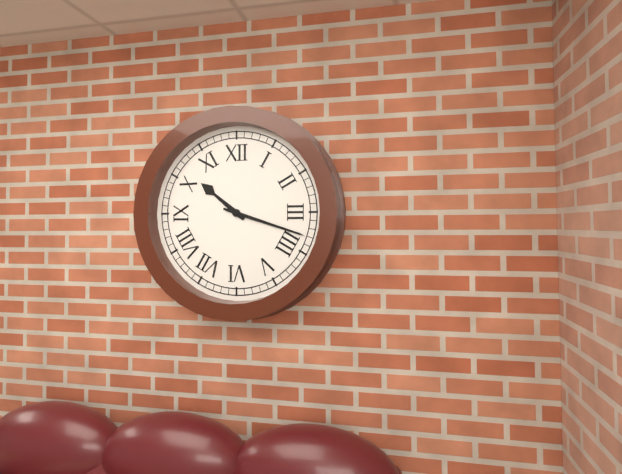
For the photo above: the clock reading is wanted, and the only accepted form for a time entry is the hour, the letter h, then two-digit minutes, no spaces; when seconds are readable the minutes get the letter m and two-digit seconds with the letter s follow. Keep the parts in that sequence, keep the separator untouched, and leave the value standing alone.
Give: 10h18
